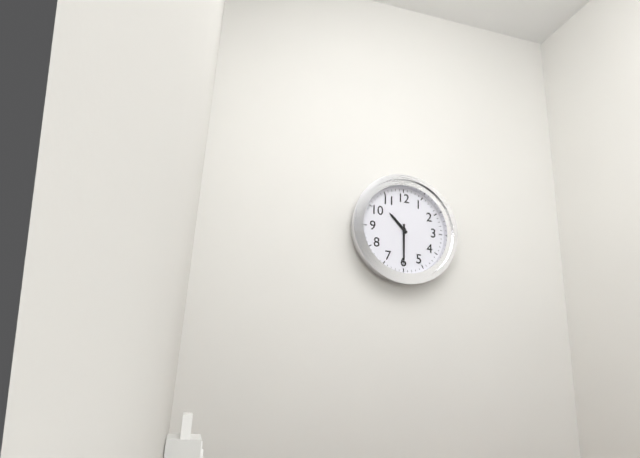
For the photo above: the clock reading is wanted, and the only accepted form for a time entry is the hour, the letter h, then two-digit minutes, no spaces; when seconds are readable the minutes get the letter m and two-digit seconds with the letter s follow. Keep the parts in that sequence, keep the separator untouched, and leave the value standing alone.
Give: 10h30
